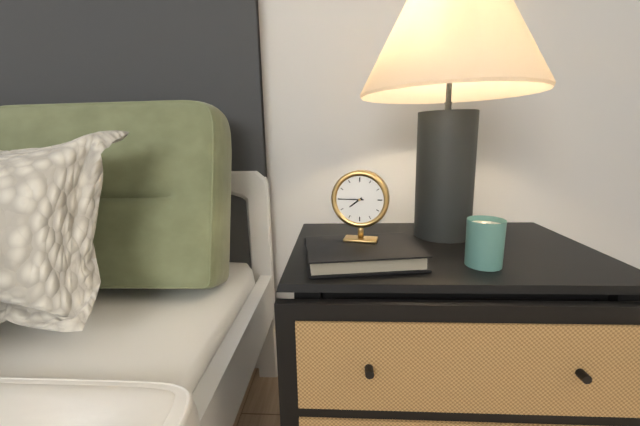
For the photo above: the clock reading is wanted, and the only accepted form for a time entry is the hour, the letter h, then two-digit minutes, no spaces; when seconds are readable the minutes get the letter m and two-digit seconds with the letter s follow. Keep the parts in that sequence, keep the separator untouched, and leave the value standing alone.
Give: 7h45
